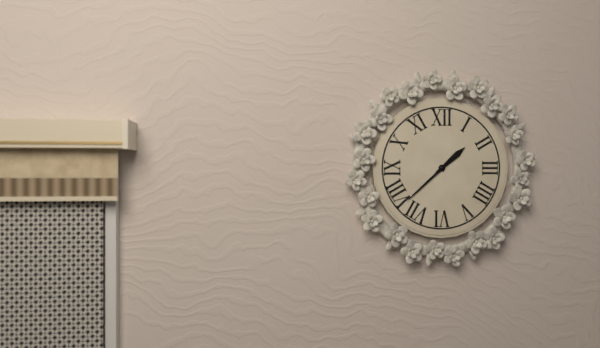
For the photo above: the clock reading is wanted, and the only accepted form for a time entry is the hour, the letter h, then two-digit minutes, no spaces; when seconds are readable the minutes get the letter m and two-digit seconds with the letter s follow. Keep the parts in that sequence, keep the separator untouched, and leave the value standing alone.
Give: 1h38
